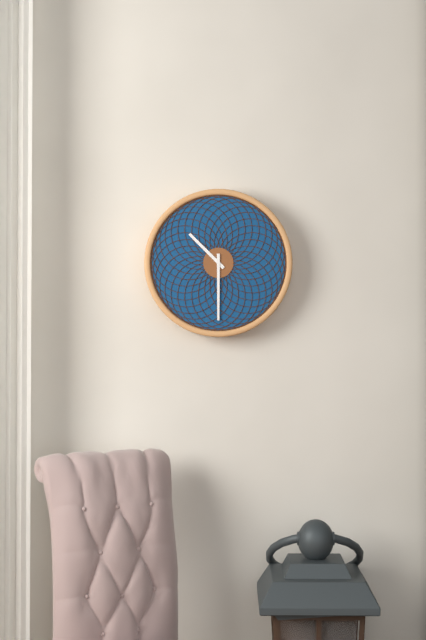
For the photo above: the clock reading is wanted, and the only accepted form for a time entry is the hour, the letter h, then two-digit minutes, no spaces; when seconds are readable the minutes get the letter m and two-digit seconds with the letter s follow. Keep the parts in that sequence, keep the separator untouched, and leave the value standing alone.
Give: 10h30
